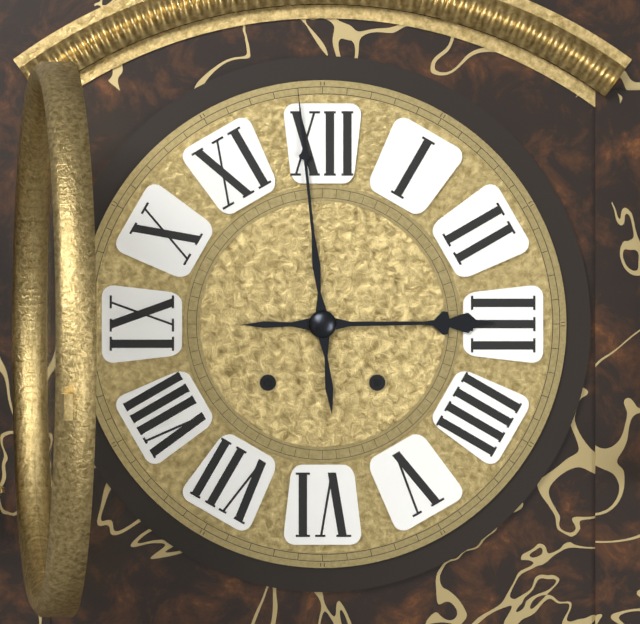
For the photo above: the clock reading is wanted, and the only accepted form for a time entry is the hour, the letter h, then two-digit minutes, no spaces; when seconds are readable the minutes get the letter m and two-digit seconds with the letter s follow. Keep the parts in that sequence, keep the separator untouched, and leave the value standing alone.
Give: 2h59
